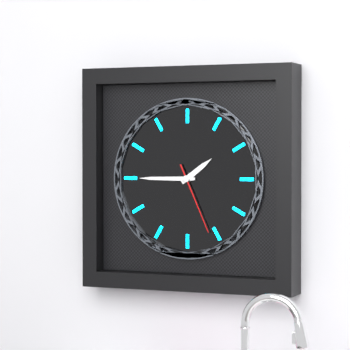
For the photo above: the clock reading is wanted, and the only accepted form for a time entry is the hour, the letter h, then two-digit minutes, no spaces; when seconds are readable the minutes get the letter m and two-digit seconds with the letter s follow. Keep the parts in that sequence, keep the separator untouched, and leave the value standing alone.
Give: 1h45m26s
